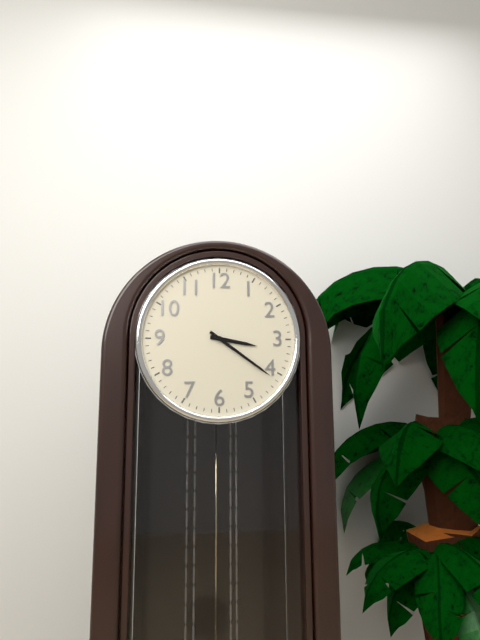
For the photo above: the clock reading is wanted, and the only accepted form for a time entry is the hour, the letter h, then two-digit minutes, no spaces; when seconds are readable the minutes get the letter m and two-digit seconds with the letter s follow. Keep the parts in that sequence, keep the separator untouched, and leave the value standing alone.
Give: 3h21
